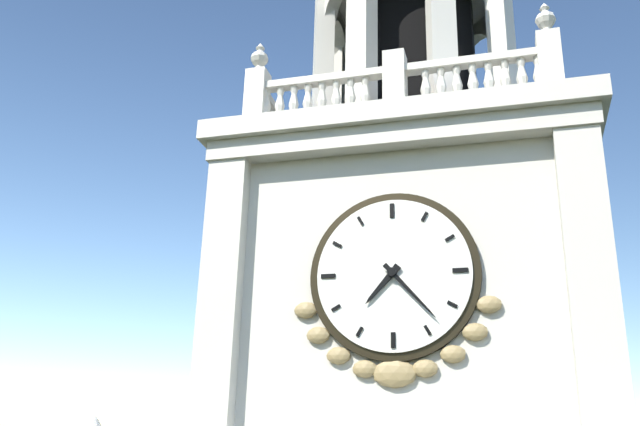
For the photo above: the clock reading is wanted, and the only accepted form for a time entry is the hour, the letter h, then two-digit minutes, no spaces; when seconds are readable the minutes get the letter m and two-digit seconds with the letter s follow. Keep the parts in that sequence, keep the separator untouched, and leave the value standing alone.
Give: 7h23
